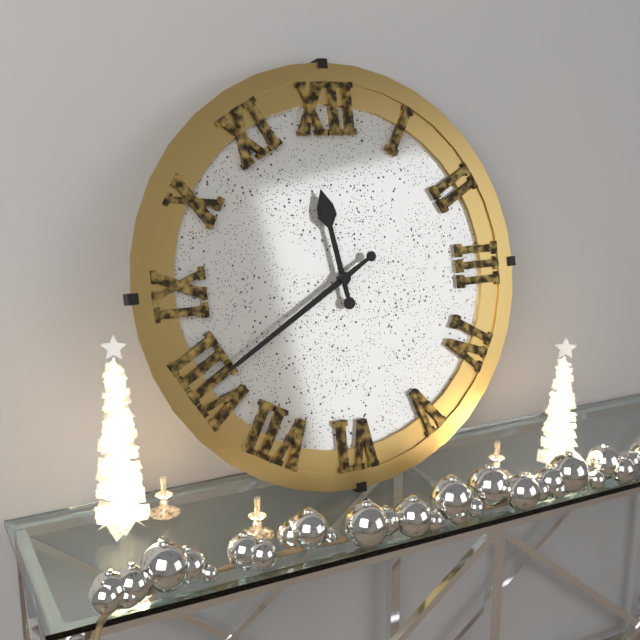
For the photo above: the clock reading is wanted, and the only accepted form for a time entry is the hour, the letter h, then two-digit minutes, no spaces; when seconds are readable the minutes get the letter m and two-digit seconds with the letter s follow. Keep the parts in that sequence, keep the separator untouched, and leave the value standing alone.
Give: 11h40
